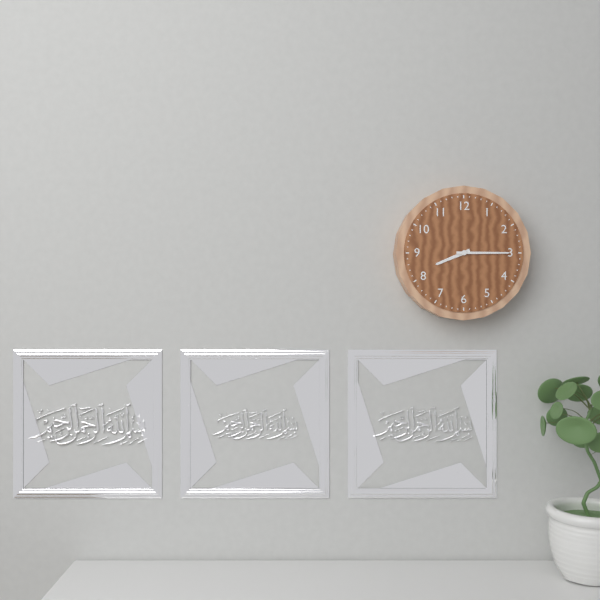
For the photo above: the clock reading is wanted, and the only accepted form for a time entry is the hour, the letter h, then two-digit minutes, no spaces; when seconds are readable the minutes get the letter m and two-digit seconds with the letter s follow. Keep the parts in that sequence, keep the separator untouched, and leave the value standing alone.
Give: 8h15
